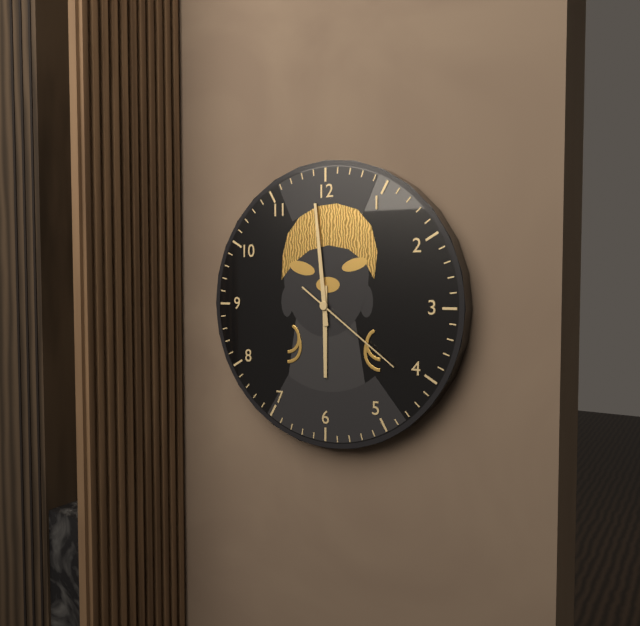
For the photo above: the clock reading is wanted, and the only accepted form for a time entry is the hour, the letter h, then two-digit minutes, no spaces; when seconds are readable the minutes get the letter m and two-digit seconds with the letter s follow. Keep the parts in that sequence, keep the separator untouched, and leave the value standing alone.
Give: 5h59m21s
